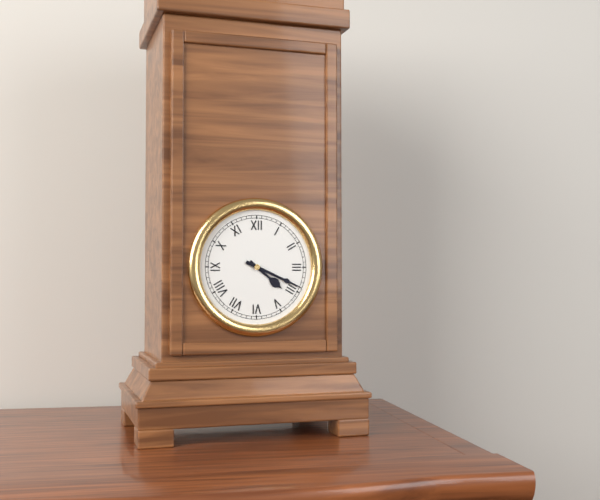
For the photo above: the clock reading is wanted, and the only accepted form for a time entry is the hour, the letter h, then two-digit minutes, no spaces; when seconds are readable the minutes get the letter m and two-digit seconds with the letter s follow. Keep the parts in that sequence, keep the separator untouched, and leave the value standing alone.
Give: 4h19
